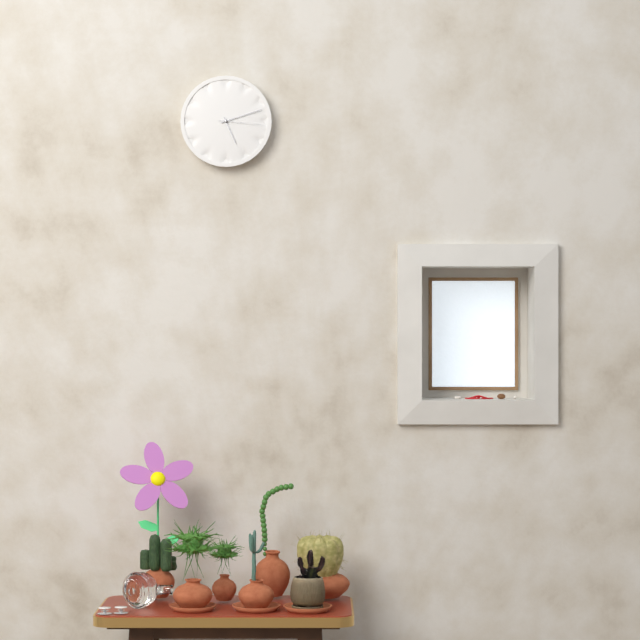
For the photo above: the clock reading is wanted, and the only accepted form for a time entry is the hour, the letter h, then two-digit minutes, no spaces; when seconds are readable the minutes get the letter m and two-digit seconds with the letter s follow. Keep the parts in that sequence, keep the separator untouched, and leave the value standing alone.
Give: 5h12
